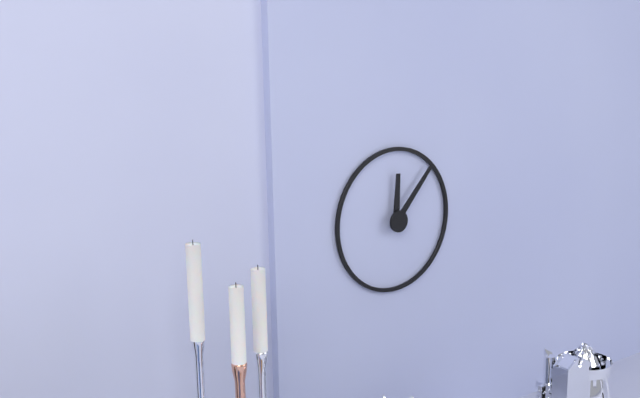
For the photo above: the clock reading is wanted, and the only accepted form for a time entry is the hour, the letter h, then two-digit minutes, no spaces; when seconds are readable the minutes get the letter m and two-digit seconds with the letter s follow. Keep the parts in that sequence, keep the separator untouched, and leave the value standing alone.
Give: 12h07
